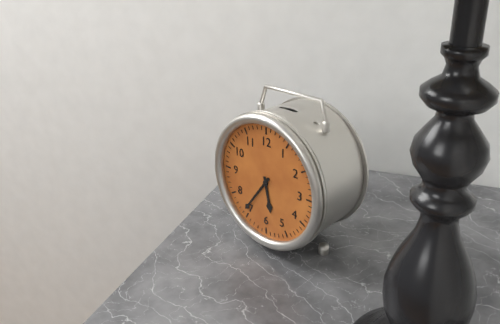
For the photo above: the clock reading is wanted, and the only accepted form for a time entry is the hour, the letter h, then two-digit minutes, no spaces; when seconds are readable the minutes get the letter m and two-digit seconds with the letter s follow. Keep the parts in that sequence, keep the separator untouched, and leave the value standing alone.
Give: 5h36
